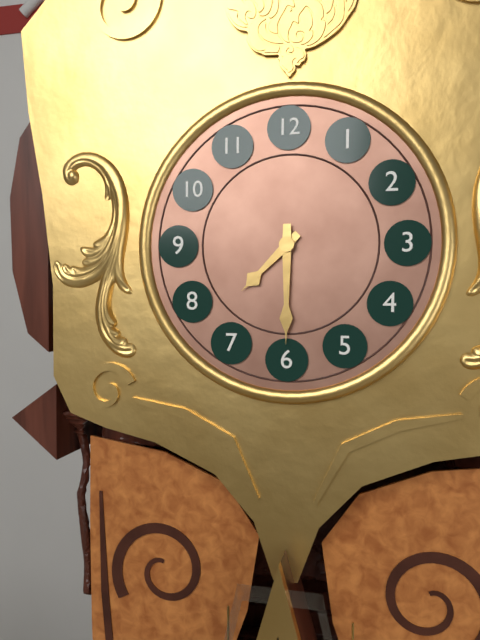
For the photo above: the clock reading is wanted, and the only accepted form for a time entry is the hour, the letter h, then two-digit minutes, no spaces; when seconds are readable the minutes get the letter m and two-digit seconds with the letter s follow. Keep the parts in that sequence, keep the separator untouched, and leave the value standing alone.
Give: 7h30
